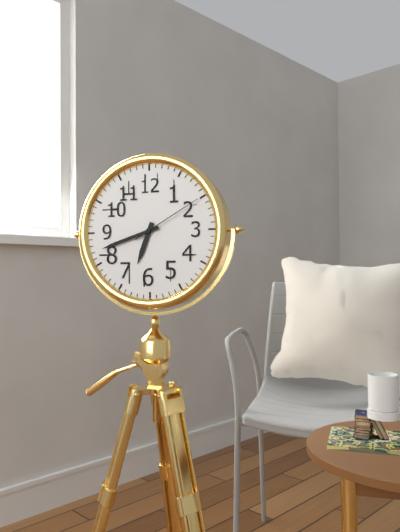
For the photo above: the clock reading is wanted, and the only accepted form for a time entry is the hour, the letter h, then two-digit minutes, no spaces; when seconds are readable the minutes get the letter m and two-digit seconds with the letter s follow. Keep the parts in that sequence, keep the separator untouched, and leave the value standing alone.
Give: 6h42m10s
